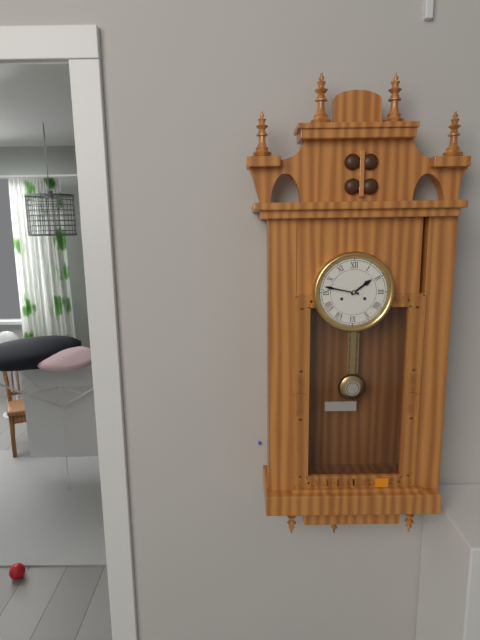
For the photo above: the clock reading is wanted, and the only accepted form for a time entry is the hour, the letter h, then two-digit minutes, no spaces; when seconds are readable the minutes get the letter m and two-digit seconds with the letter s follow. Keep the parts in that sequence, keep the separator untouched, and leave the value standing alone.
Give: 1h47
